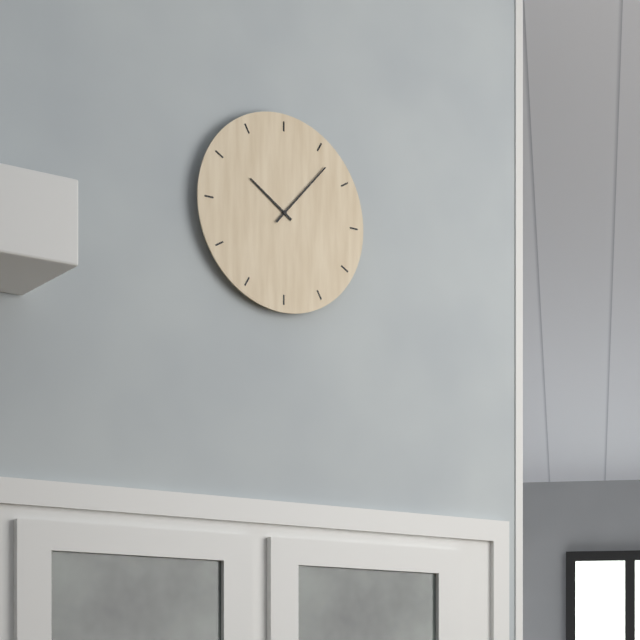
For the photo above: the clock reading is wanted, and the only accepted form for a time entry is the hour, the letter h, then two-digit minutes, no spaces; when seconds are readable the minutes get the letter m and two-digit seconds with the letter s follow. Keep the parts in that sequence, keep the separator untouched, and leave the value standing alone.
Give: 10h07
